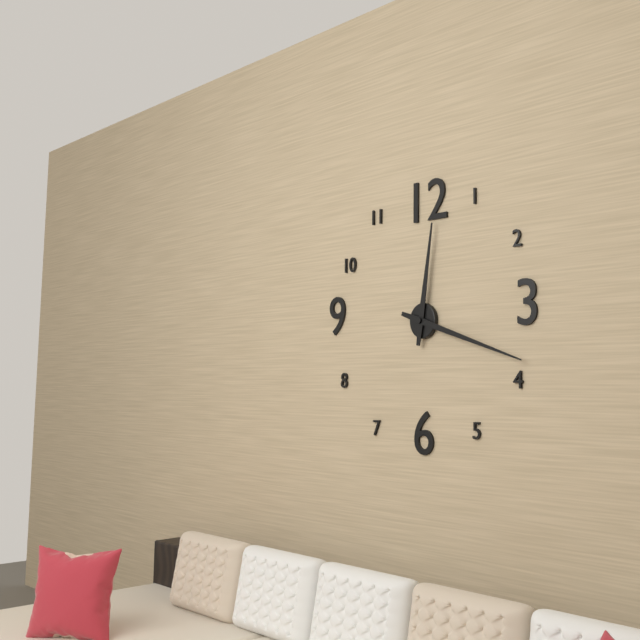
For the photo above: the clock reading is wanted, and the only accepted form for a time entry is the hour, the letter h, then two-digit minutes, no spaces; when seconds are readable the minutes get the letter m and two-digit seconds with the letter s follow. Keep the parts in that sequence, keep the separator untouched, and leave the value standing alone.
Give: 12h18
